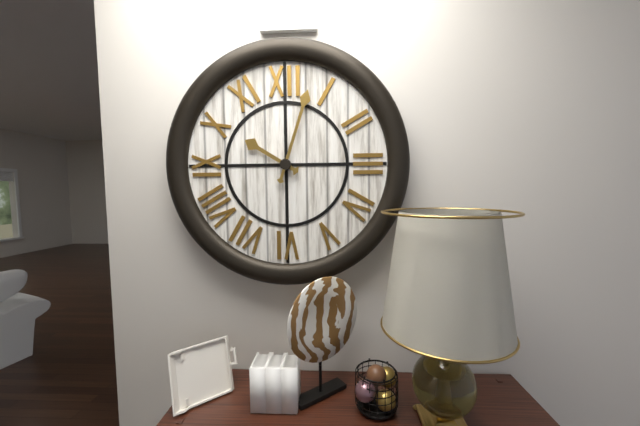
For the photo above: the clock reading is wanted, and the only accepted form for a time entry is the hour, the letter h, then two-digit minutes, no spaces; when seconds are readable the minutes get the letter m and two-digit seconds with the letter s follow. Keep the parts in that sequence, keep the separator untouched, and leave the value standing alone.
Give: 10h03
